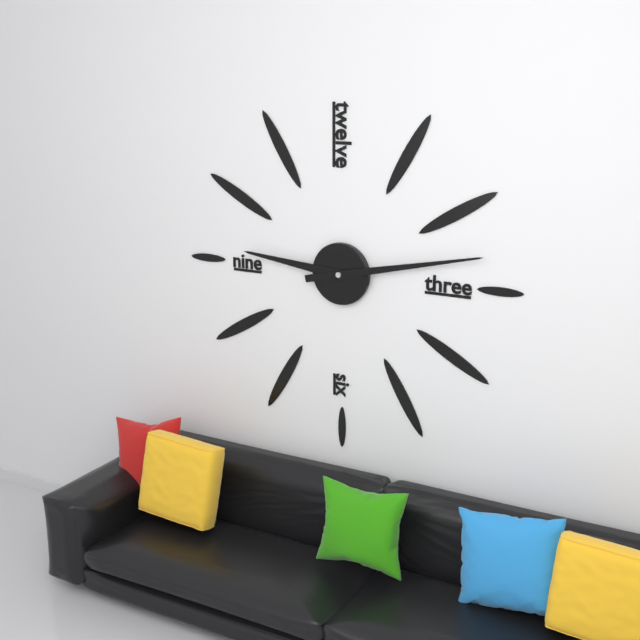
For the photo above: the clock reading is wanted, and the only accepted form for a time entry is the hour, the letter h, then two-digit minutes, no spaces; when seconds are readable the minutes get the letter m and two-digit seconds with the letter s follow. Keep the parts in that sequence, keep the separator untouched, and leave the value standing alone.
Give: 9h13
